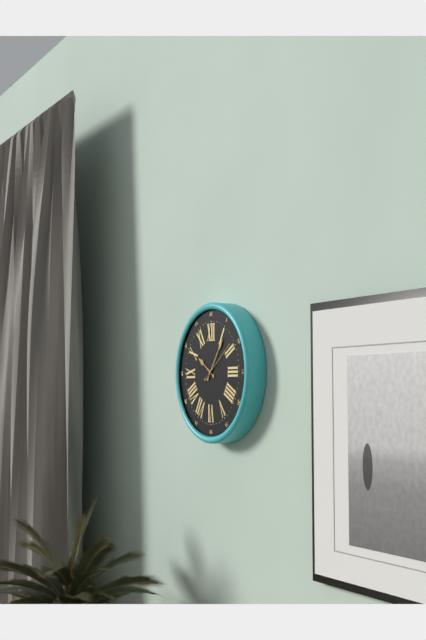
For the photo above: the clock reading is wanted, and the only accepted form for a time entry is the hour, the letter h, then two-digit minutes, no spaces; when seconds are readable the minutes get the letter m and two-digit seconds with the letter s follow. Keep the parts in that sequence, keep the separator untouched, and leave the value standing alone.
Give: 10h06
